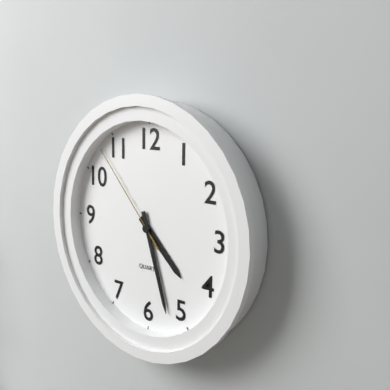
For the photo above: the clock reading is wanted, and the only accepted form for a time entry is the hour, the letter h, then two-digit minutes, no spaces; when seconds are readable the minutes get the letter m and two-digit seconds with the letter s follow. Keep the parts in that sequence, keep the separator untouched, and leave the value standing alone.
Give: 4h27m53s
